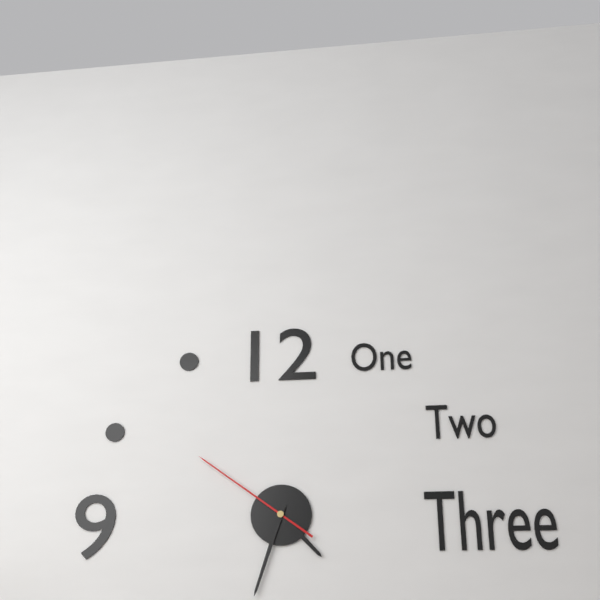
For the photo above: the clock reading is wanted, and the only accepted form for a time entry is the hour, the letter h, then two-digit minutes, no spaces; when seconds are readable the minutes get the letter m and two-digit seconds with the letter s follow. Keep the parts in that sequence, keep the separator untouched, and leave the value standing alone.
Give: 4h33m51s
